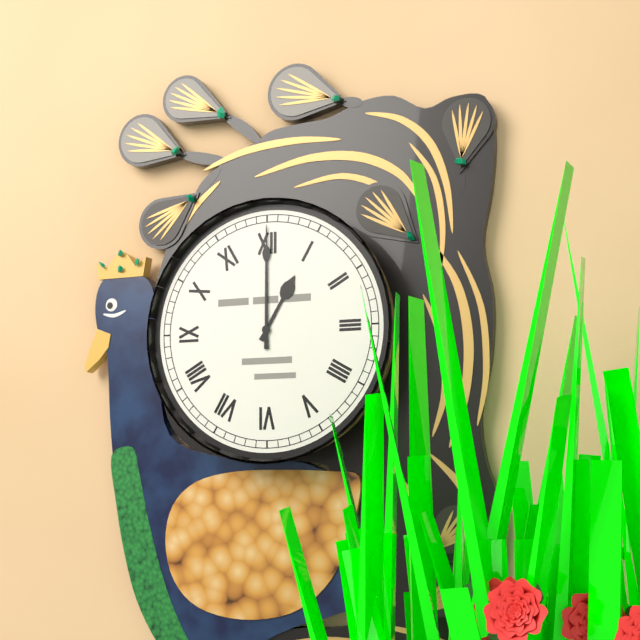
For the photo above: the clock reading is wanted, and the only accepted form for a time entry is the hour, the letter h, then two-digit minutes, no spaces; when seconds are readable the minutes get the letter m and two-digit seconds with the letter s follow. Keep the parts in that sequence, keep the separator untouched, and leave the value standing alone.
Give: 1h00
